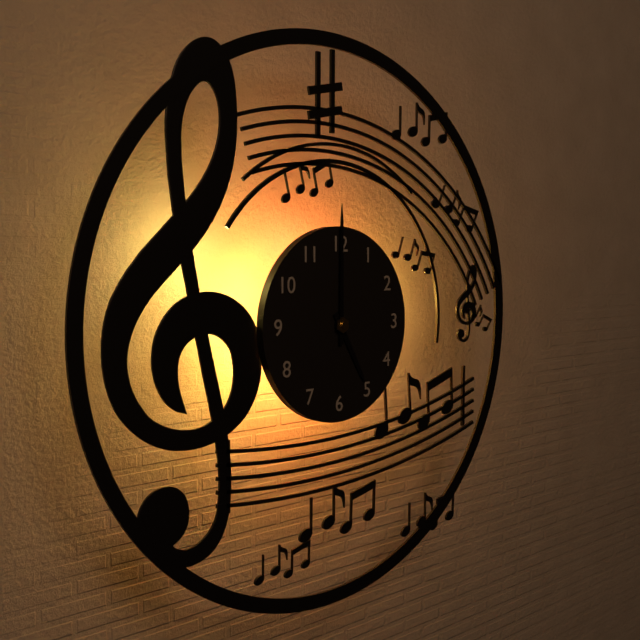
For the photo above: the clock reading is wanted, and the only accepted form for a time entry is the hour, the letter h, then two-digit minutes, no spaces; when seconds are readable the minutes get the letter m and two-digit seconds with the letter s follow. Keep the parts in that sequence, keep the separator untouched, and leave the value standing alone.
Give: 5h00
